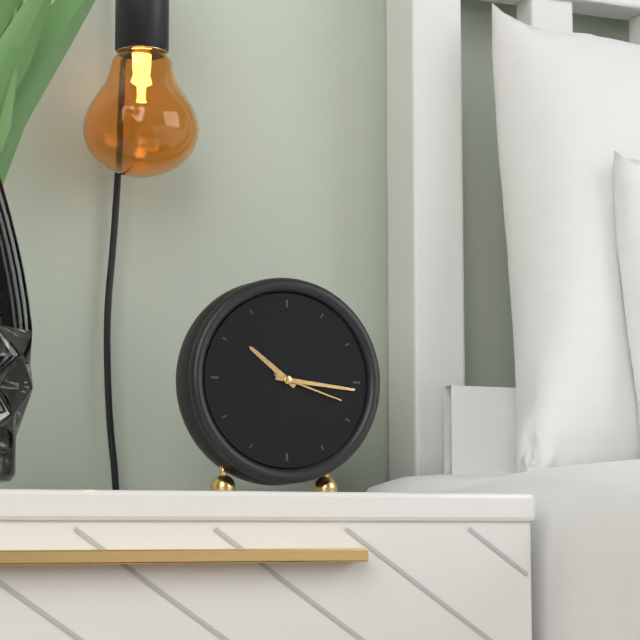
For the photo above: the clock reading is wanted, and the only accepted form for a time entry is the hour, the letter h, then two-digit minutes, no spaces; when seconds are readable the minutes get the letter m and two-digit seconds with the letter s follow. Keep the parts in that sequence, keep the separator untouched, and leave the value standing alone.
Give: 10h16m18s
